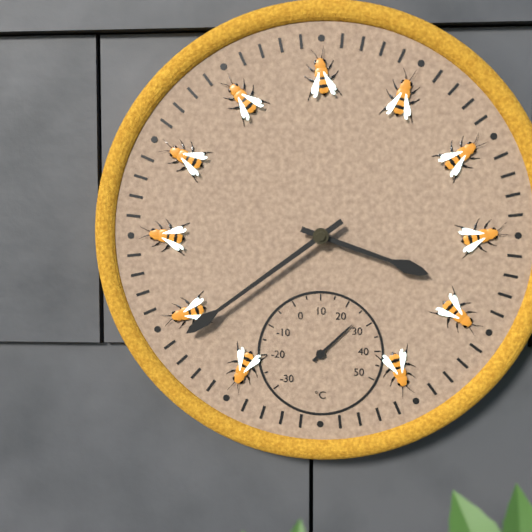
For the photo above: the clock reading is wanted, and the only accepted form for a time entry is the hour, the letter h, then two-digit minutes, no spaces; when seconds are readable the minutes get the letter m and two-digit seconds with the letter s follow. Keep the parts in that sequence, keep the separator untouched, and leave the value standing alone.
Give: 3h39
